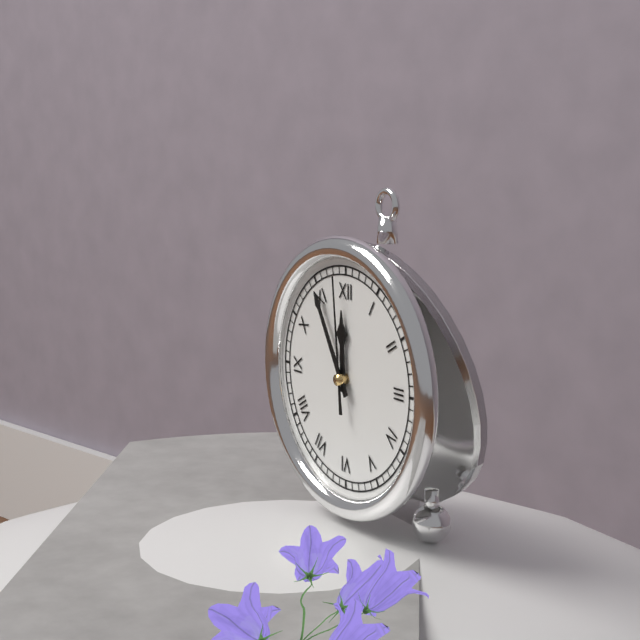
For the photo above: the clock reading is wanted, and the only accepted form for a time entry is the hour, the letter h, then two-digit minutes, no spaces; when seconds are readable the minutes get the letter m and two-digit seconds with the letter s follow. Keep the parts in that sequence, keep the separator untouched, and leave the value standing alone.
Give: 11h55m59s
